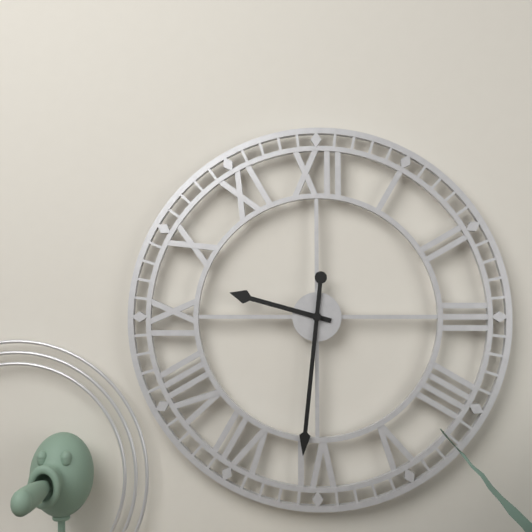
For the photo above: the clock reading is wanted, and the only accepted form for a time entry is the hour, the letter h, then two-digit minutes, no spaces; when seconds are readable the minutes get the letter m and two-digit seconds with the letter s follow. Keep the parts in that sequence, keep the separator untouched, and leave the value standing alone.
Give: 9h31
